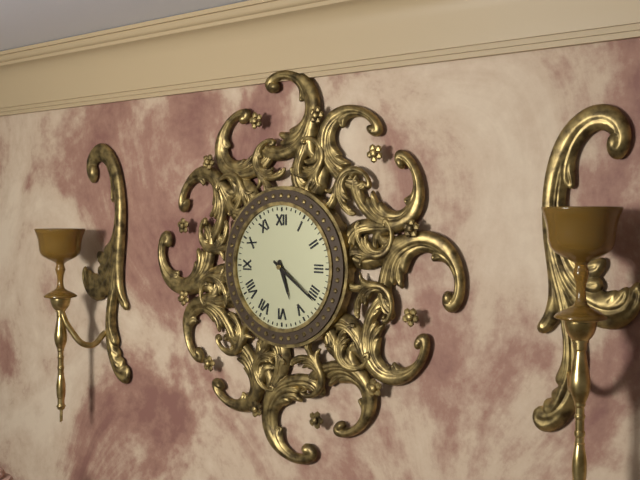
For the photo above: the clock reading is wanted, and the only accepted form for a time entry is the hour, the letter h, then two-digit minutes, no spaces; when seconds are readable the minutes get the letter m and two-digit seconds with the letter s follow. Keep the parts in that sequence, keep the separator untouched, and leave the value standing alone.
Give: 5h21
